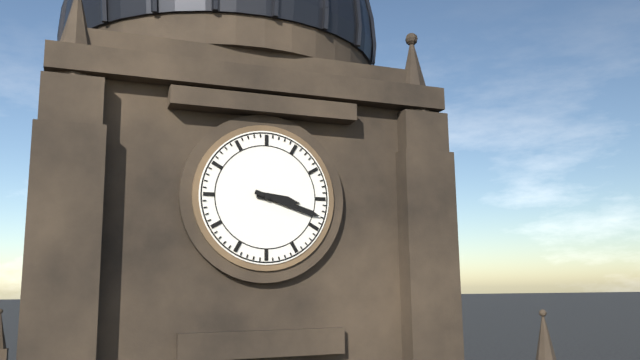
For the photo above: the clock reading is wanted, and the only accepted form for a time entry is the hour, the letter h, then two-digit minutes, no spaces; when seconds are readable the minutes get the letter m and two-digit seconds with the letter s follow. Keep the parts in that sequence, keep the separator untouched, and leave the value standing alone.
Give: 3h18
